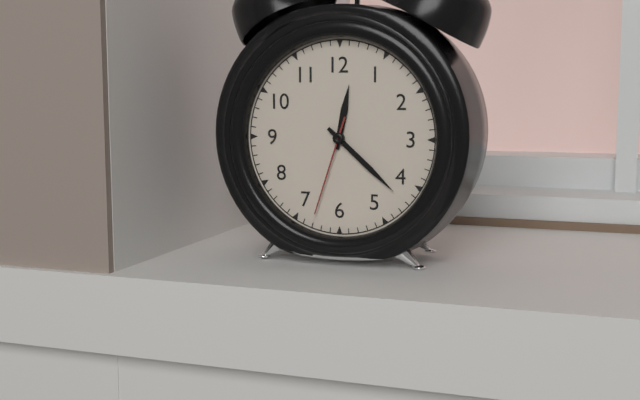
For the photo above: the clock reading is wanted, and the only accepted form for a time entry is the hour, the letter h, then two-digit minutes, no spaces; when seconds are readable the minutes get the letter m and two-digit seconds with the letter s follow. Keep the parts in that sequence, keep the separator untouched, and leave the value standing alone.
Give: 12h22m33s
